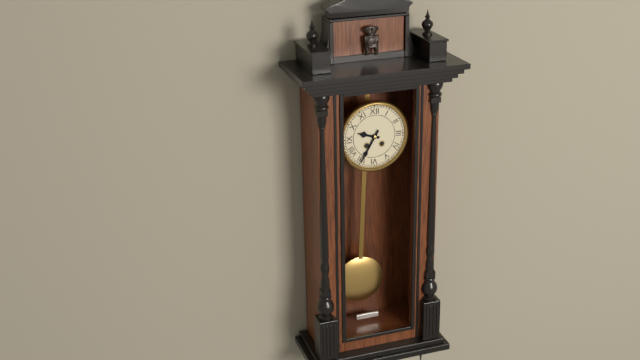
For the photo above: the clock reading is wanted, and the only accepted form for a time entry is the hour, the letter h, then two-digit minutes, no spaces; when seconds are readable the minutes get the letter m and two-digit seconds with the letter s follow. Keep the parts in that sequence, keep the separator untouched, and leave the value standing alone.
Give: 9h35
